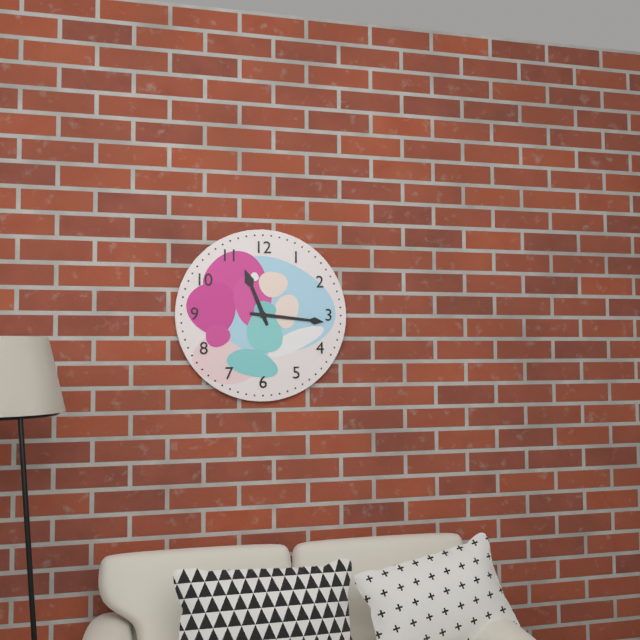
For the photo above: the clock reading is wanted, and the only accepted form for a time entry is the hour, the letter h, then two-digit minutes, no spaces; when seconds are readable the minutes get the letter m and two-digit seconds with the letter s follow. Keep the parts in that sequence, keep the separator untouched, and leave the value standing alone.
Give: 11h16
